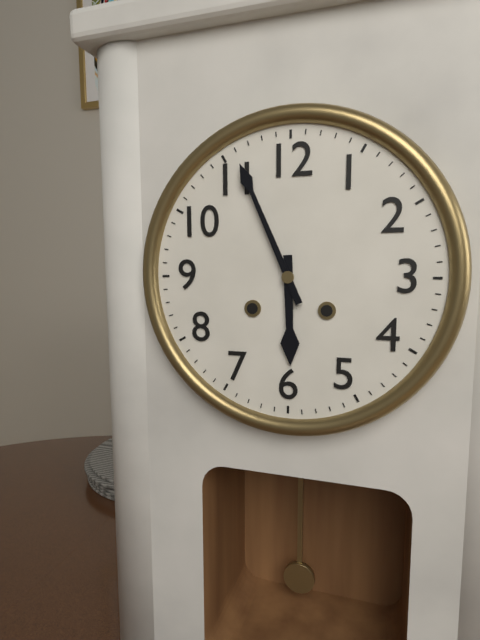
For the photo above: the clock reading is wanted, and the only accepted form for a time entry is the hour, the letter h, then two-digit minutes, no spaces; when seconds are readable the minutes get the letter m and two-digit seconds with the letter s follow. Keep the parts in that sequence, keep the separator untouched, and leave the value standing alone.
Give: 5h56
